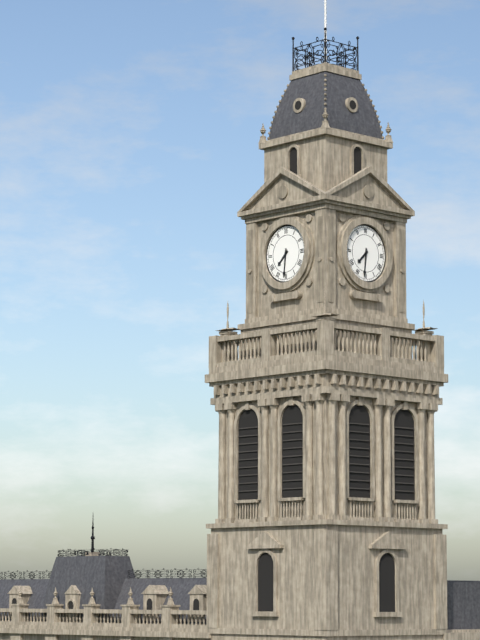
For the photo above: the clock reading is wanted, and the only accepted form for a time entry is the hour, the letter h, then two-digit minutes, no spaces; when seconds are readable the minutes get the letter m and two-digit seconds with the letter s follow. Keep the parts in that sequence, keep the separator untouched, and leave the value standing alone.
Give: 7h31
